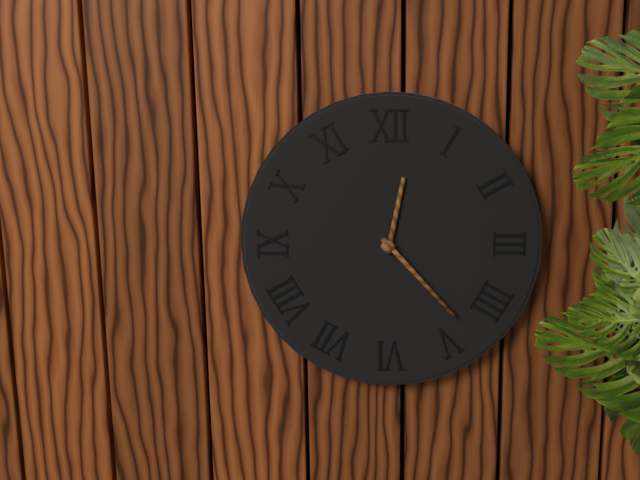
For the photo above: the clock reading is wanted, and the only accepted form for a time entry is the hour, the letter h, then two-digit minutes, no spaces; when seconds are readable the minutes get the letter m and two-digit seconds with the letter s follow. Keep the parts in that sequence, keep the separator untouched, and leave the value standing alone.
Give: 12h23
